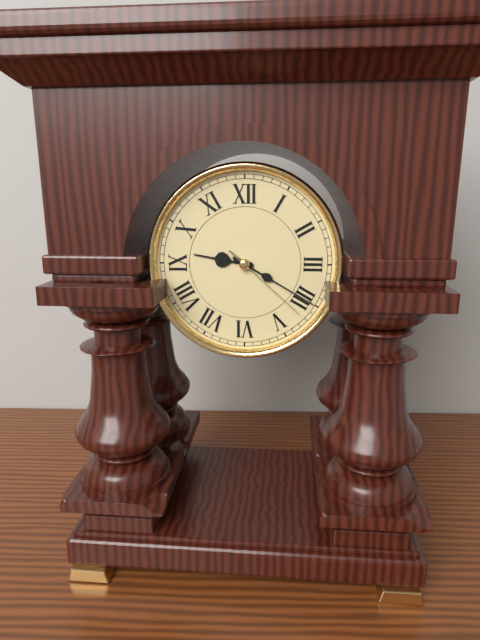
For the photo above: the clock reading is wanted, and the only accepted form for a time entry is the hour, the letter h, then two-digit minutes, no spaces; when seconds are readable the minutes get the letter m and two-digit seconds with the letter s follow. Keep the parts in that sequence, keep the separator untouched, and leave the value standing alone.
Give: 9h20m22s
